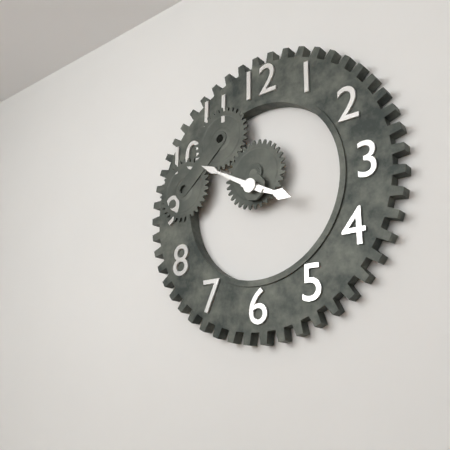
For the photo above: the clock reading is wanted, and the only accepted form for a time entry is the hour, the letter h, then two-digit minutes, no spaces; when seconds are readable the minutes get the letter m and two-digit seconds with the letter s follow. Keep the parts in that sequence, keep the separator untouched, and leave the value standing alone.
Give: 3h50
